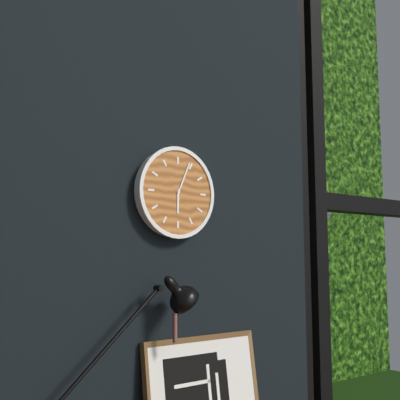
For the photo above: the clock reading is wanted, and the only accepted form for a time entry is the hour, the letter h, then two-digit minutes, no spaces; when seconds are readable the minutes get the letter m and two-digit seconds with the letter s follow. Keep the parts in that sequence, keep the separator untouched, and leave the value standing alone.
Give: 6h04
